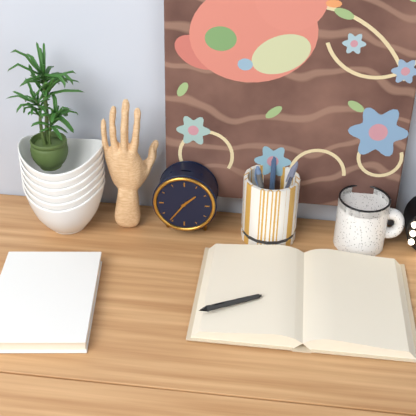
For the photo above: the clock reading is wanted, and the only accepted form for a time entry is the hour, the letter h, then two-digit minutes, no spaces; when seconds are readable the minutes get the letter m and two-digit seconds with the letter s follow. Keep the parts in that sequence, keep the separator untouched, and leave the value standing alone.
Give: 1h36
